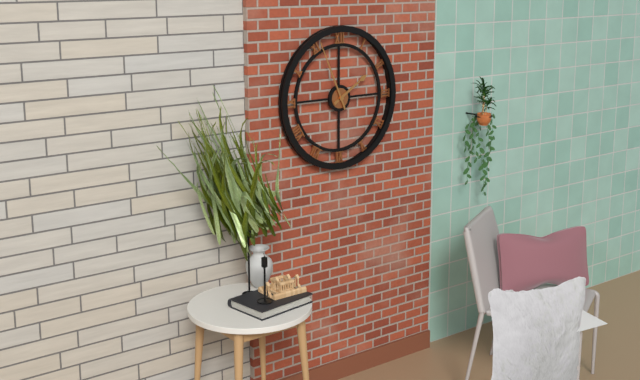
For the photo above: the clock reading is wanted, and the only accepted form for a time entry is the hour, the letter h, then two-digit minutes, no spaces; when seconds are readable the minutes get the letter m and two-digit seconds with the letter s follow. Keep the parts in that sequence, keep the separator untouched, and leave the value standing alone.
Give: 1h56
